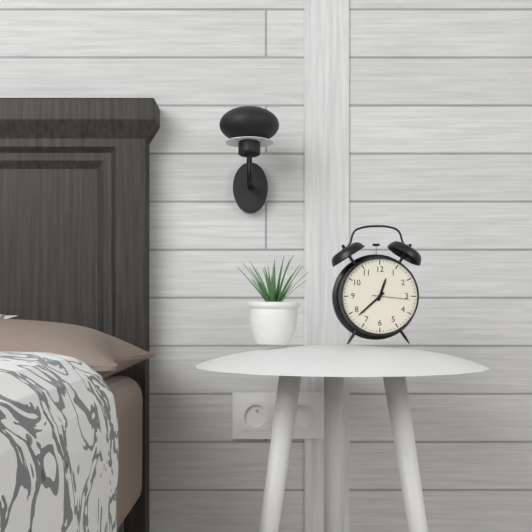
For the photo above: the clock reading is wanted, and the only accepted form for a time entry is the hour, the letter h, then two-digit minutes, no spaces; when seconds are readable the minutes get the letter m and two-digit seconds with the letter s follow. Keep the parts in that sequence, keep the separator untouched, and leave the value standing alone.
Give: 12h38
